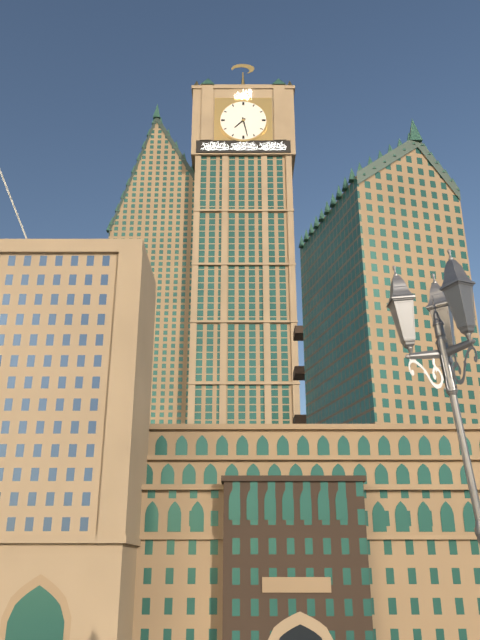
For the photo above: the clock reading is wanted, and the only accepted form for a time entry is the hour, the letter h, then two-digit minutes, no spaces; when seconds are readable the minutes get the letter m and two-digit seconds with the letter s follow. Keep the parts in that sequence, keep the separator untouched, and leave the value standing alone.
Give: 7h28
